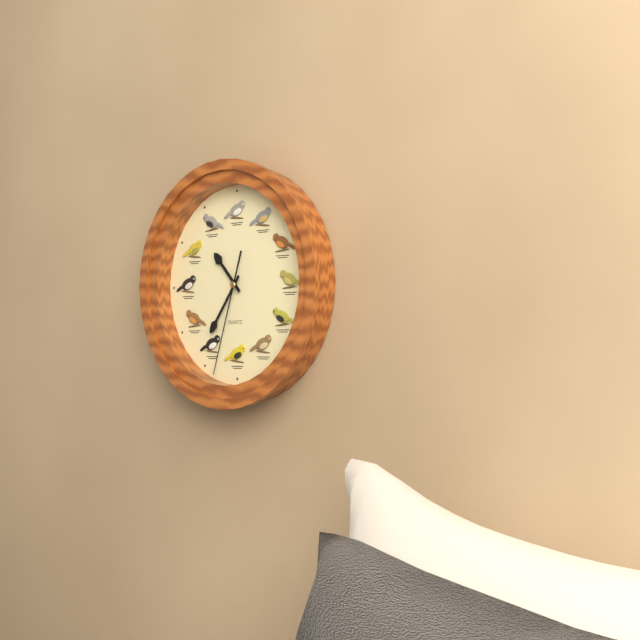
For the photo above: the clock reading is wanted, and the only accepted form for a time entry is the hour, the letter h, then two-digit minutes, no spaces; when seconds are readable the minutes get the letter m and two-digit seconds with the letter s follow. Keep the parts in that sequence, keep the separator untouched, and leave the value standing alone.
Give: 10h36m33s
